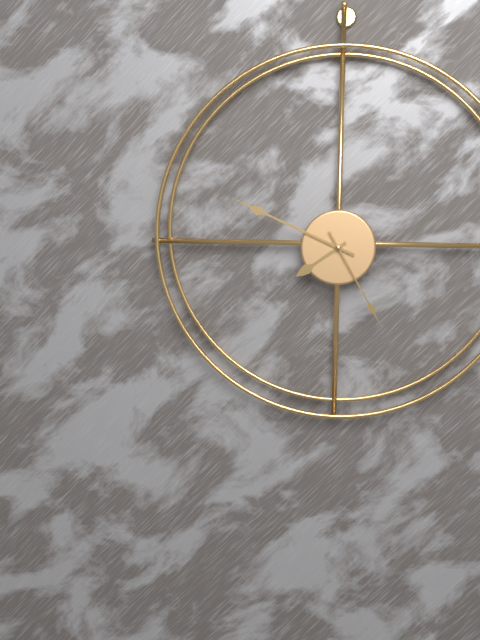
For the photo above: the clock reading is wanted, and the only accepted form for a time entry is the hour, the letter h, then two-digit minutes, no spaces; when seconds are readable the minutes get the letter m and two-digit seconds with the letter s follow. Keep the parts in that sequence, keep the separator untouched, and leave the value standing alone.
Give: 7h49m25s
